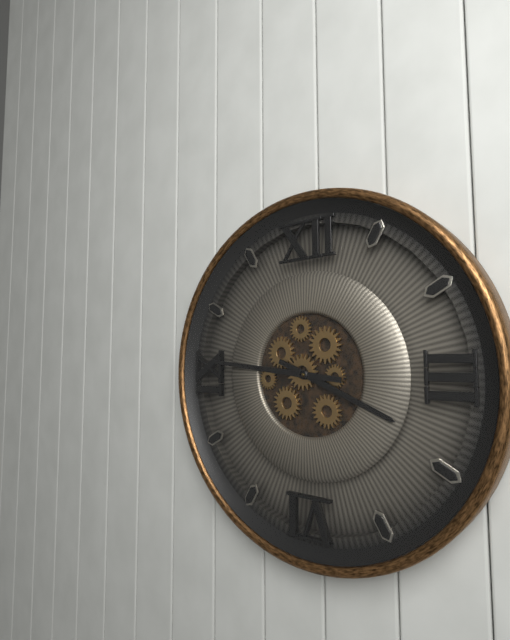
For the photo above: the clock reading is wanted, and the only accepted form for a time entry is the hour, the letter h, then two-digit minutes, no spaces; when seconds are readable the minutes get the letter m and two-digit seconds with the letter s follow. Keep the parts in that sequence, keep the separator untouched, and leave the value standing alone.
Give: 3h46
